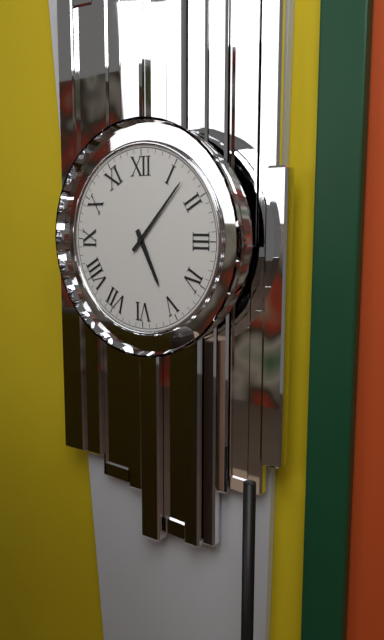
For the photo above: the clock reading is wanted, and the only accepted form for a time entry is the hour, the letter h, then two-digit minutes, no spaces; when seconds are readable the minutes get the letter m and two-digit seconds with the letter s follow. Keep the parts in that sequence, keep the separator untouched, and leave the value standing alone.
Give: 5h07
